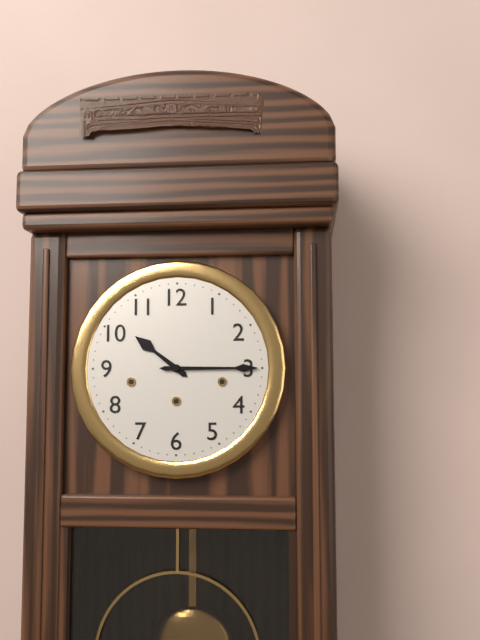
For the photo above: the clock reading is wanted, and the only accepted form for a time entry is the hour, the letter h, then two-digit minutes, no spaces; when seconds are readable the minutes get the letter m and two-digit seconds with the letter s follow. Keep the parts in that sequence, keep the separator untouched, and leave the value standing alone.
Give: 10h15
